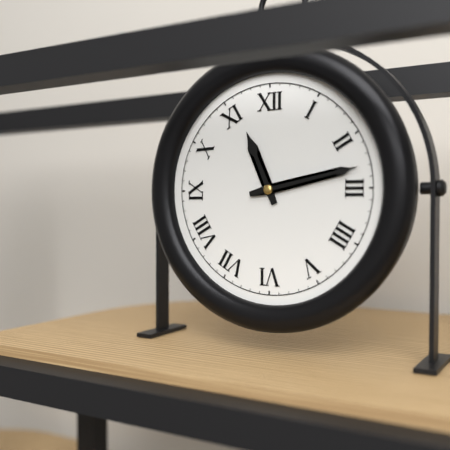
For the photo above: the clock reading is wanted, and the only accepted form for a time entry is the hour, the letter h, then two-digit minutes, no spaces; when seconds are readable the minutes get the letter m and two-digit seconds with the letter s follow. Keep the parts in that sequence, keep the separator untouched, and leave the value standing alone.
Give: 11h13
